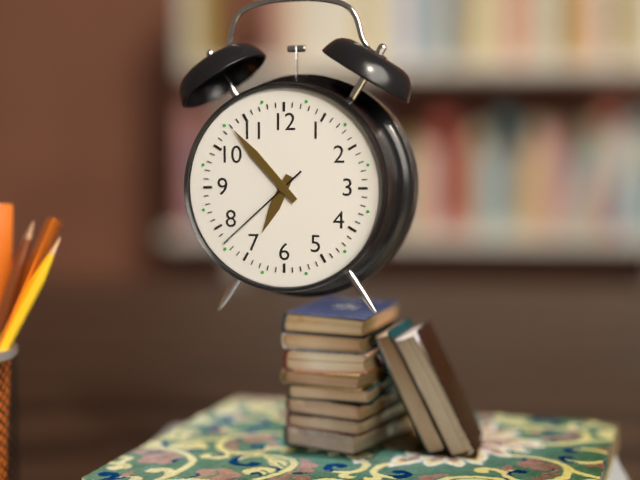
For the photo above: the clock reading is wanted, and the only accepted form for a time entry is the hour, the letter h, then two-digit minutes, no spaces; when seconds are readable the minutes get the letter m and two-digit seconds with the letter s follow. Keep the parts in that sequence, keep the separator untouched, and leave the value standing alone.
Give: 6h53m38s
